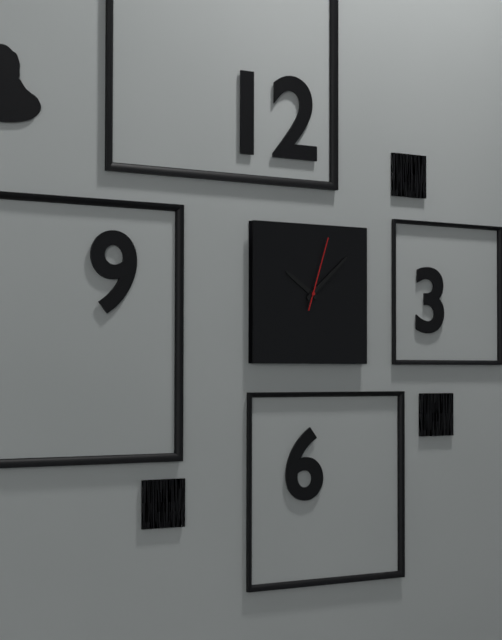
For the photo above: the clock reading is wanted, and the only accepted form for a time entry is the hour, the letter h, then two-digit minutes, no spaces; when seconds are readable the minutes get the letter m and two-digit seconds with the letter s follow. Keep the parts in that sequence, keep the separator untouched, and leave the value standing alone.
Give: 10h08m03s
